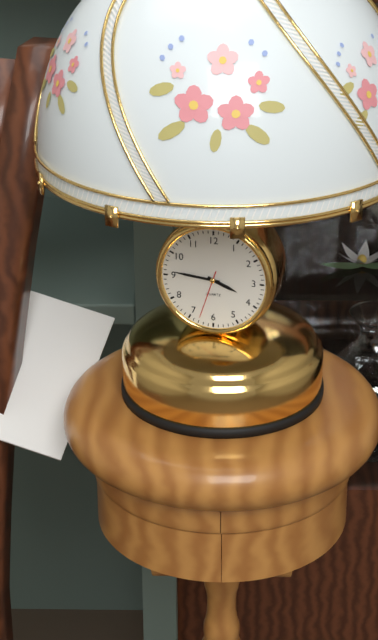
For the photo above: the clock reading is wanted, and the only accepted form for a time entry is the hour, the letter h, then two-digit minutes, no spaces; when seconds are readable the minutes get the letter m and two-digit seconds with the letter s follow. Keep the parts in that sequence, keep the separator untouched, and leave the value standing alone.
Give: 3h46
